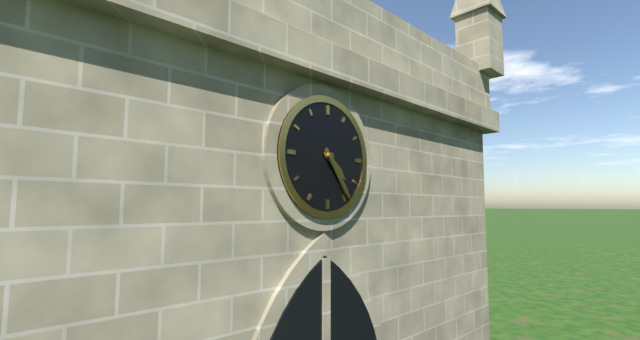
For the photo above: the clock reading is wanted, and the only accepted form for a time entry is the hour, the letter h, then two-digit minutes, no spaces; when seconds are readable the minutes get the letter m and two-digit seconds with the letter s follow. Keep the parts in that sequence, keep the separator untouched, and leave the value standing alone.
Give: 4h24
